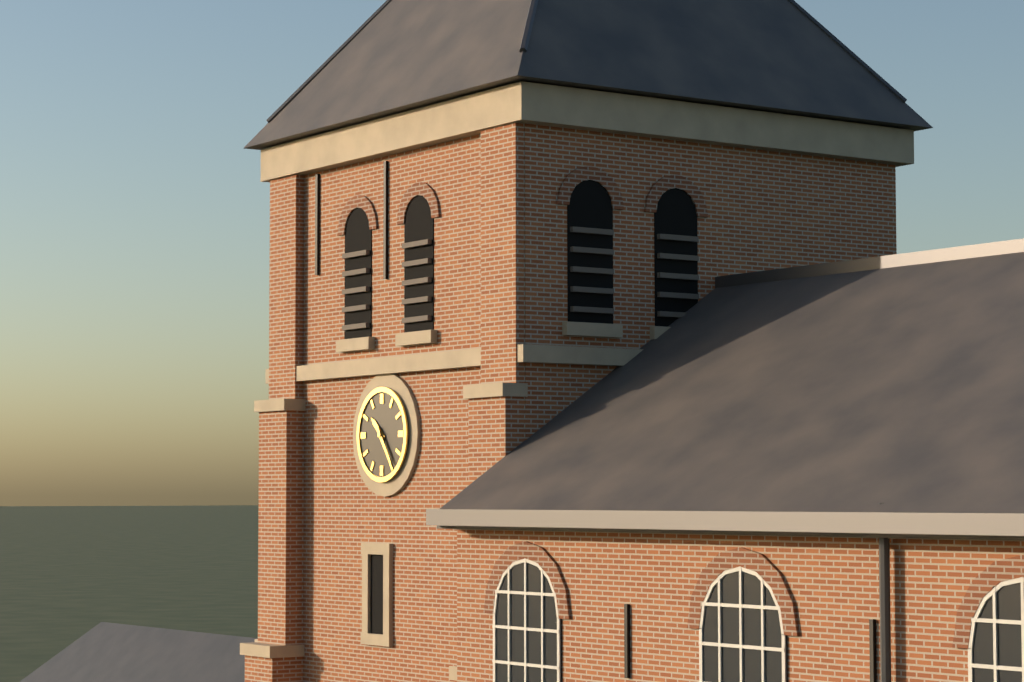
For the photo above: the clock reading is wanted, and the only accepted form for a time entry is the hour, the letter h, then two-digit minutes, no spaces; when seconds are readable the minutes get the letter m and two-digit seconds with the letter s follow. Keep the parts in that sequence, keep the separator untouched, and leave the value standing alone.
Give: 10h24
